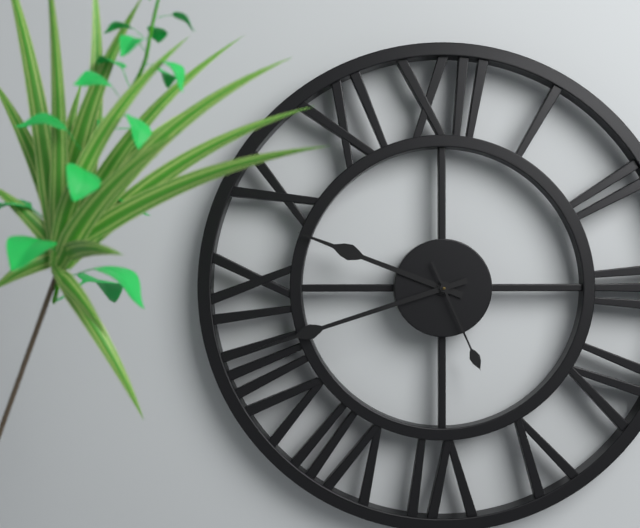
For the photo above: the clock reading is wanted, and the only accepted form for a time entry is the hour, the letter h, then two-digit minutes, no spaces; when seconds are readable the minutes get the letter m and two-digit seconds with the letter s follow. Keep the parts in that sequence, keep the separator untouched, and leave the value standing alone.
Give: 9h42m26s
